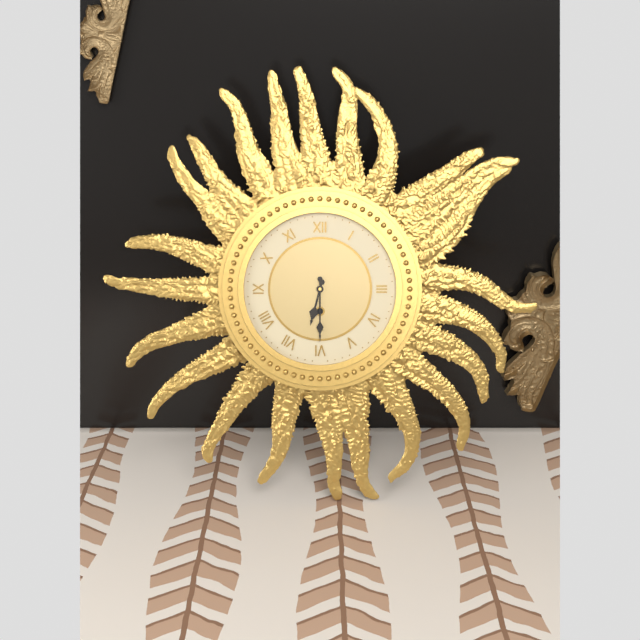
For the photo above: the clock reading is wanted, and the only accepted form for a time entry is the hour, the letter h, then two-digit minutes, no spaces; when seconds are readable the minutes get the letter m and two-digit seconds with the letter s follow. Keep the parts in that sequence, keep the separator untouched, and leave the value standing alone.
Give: 6h30
